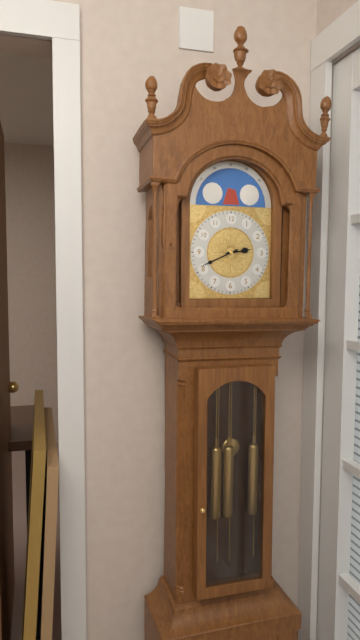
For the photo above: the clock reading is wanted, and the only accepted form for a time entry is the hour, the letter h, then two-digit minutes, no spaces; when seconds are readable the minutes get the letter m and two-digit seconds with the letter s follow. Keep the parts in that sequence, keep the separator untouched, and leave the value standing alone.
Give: 2h41
